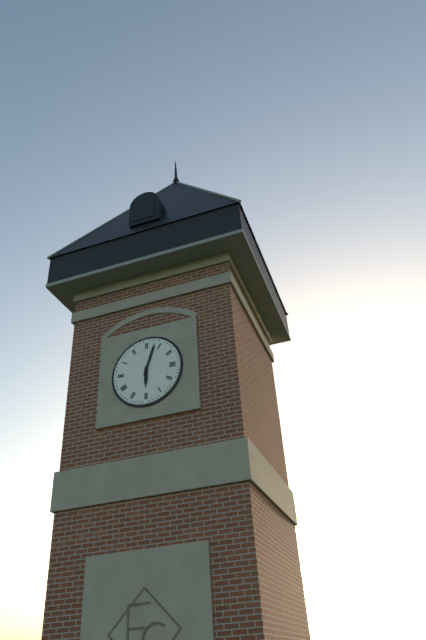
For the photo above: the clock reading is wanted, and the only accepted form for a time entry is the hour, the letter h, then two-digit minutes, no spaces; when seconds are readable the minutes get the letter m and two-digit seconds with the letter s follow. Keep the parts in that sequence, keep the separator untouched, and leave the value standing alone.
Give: 6h03
